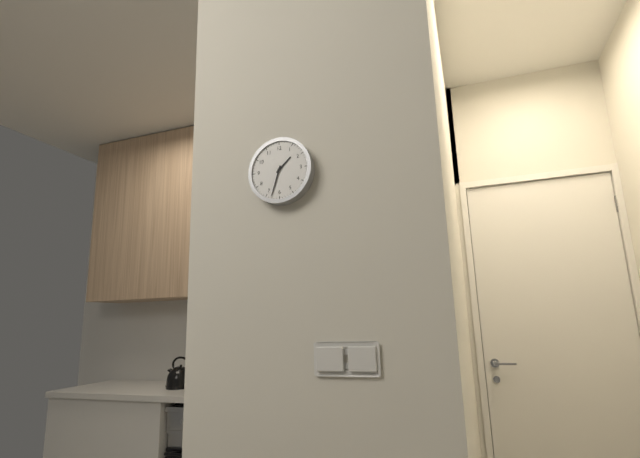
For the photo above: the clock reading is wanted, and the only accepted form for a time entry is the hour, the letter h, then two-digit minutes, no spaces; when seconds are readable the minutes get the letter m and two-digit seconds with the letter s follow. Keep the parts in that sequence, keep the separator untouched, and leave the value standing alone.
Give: 1h33
